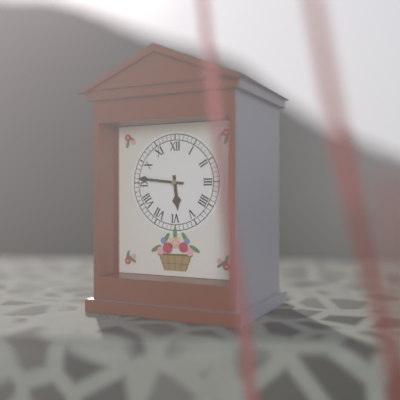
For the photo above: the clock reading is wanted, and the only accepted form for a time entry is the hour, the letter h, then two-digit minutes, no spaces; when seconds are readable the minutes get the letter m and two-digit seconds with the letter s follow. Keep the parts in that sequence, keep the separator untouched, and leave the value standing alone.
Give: 5h46
